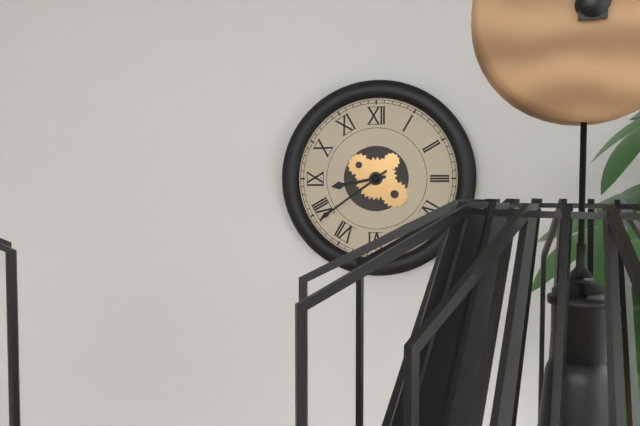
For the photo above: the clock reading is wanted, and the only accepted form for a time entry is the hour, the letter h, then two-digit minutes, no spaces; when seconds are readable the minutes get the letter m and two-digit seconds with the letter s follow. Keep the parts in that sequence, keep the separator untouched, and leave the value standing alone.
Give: 8h39
